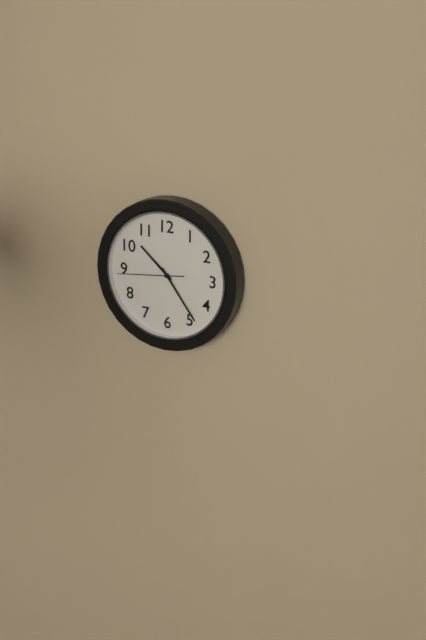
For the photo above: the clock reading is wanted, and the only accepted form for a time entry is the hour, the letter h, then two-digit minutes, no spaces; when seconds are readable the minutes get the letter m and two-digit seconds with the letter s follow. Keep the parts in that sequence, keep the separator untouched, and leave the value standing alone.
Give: 10h24m44s
